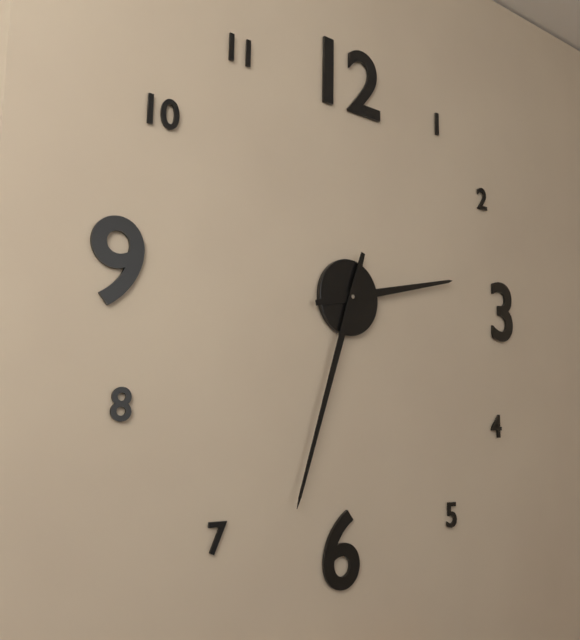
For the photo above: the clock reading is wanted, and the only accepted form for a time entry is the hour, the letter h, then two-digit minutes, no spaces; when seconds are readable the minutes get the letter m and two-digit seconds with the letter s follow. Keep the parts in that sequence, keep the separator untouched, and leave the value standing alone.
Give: 2h33
